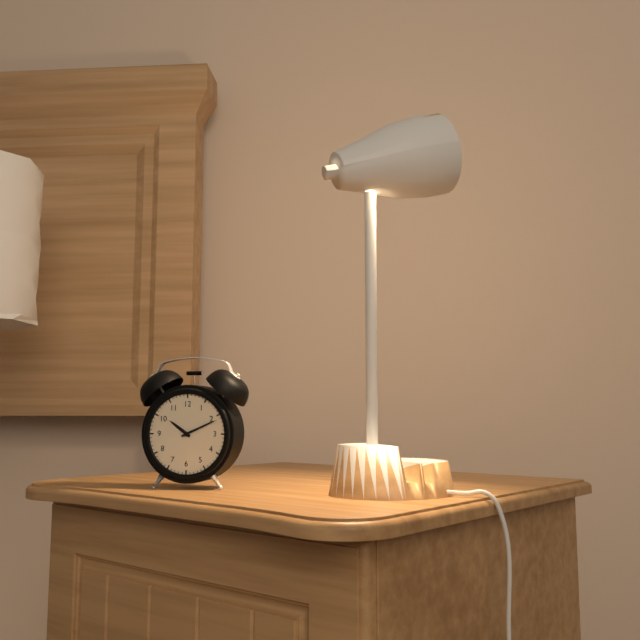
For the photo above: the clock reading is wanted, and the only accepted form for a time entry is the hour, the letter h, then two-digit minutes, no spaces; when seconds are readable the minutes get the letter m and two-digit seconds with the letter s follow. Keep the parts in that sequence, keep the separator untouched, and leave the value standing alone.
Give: 10h11
